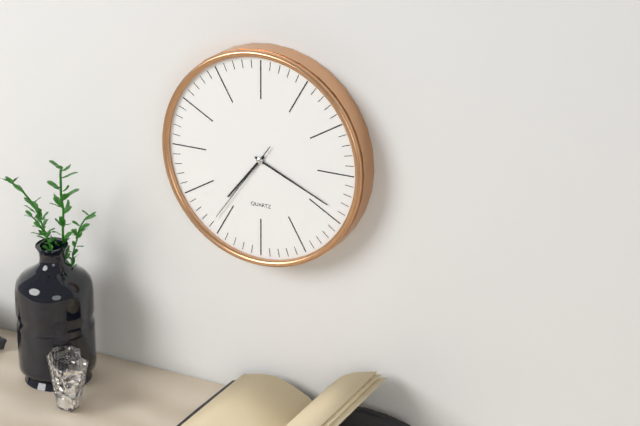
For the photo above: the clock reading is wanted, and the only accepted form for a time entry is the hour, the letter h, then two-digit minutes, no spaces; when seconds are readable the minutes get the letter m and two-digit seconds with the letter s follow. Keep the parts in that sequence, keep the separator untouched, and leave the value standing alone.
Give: 7h19m36s
